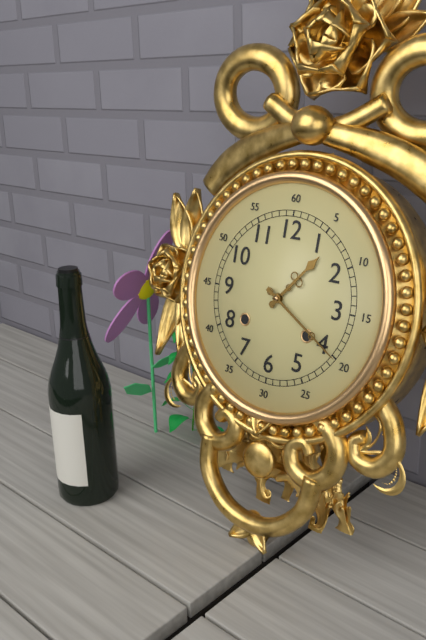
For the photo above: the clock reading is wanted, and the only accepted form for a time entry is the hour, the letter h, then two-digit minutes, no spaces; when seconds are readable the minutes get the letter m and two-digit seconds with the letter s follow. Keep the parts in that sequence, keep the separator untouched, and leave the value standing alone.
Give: 1h20
